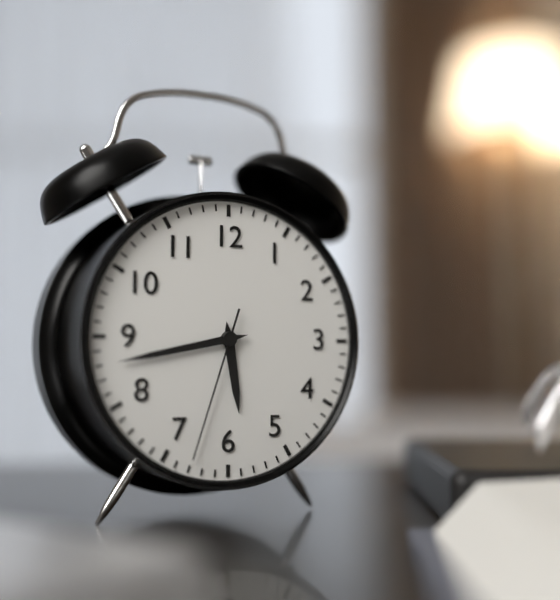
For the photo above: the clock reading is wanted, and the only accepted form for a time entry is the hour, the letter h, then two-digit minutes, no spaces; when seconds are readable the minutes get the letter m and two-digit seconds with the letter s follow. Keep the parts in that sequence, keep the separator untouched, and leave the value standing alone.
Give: 5h43m33s
